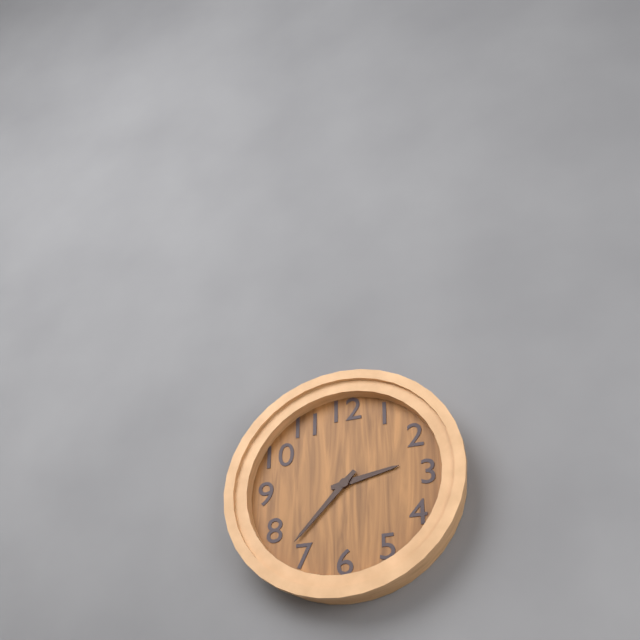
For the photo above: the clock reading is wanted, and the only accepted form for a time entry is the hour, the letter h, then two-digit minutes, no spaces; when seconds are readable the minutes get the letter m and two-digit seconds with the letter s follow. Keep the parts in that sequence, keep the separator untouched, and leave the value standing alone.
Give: 2h37
